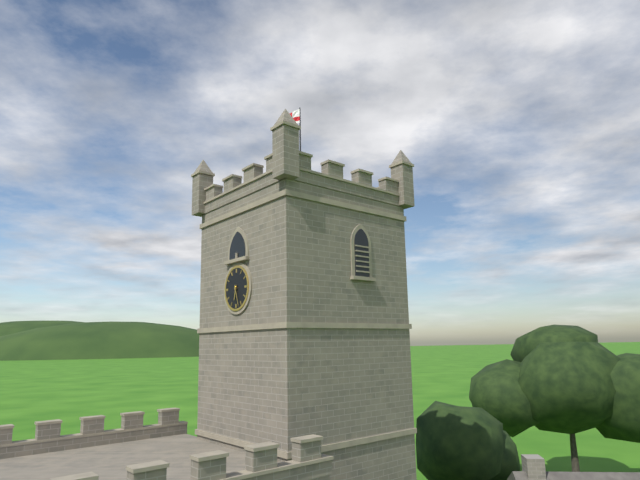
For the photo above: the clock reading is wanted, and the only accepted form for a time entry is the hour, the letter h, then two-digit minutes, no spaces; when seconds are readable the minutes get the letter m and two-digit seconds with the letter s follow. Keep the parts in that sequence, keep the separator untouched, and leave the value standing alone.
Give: 6h27
